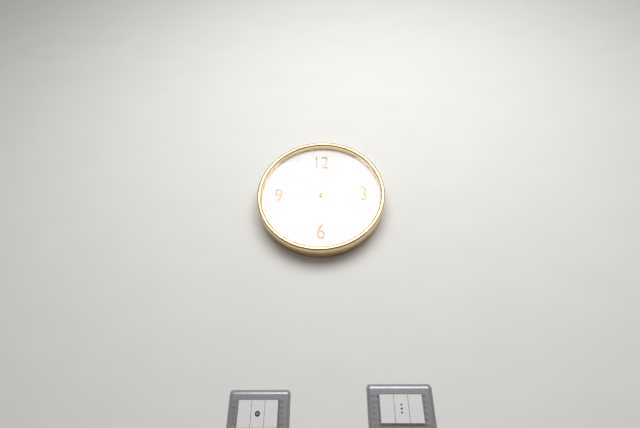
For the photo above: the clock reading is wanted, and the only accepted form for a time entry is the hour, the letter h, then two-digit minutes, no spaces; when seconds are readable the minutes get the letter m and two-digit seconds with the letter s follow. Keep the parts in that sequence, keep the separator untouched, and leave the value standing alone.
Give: 8h52
